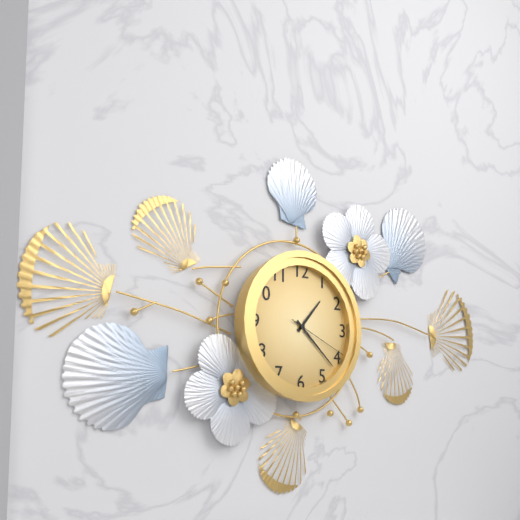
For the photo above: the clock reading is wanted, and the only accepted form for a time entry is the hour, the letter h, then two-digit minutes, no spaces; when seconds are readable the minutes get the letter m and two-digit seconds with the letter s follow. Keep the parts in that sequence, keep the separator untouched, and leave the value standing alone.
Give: 1h22m19s
